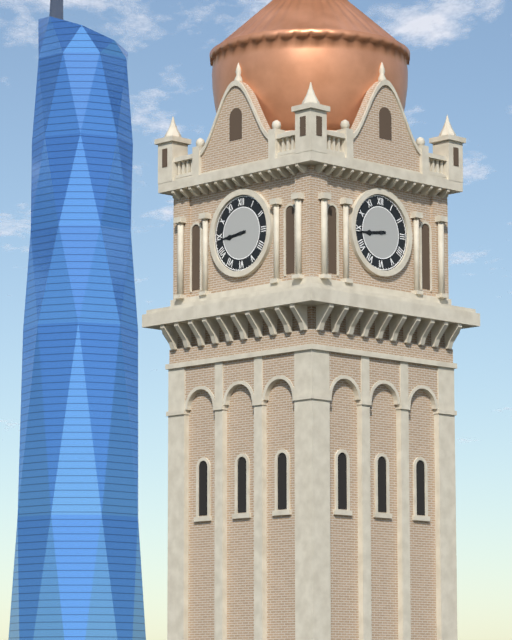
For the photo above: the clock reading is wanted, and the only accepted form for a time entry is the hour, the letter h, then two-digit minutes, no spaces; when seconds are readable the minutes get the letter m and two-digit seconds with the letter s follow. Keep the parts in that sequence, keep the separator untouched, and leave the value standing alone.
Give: 8h44
